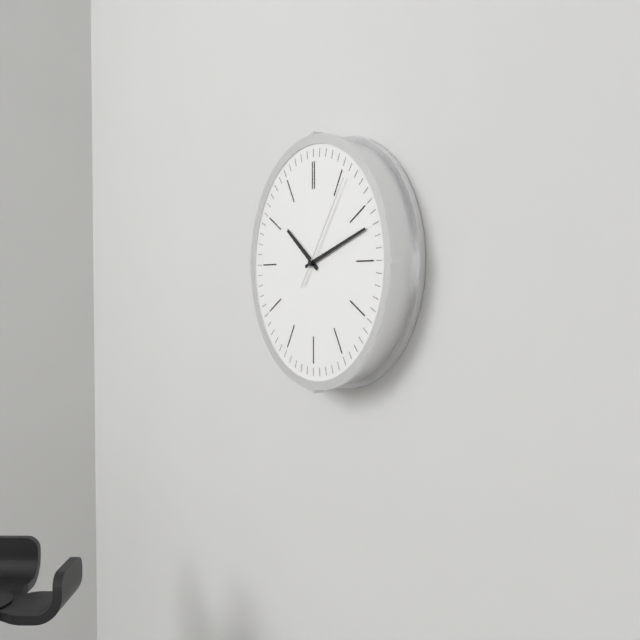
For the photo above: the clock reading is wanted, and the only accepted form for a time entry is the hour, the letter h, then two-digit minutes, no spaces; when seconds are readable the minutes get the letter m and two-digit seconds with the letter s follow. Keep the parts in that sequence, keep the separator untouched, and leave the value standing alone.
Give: 10h12m06s
